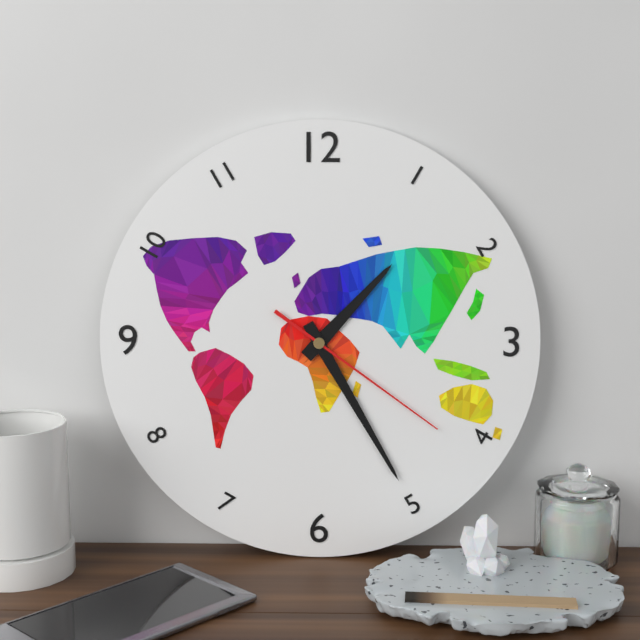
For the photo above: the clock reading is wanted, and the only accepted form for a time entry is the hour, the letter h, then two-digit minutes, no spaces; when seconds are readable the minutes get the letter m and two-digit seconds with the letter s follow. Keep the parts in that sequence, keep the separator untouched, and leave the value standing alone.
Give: 1h25m21s
